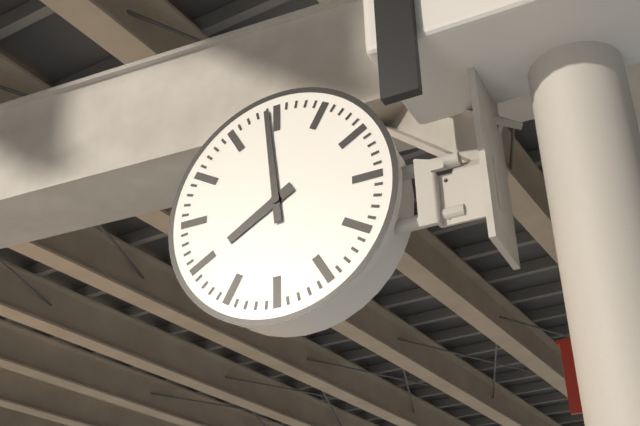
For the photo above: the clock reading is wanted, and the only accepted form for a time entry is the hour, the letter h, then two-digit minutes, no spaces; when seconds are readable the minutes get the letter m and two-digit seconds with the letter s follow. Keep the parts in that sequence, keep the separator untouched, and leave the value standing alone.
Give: 7h59
